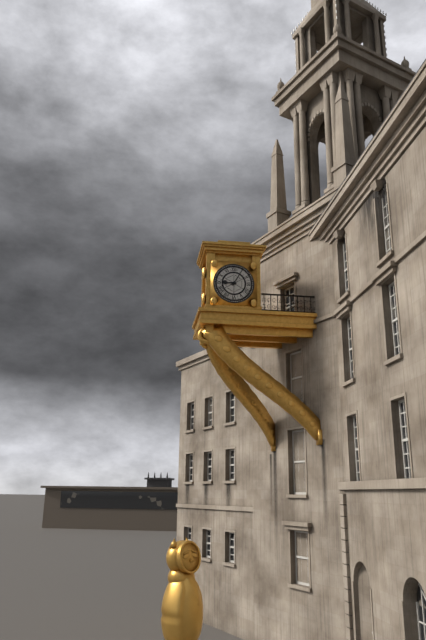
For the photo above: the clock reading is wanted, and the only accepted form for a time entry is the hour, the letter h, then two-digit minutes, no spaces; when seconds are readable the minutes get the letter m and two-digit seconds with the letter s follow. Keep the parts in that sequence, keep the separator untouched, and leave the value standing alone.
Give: 9h05
